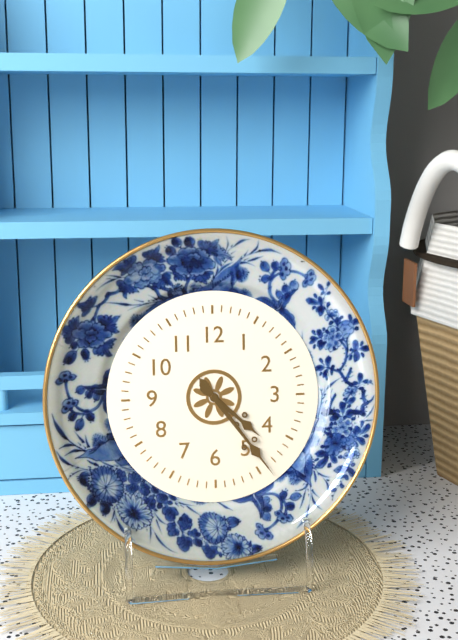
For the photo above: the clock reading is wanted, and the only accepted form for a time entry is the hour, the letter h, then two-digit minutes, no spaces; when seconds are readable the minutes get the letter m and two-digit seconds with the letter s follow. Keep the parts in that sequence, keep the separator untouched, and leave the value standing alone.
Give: 4h24
